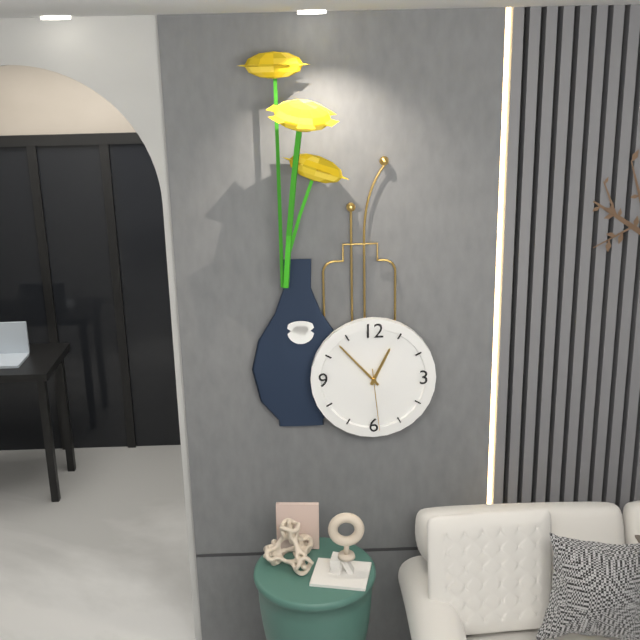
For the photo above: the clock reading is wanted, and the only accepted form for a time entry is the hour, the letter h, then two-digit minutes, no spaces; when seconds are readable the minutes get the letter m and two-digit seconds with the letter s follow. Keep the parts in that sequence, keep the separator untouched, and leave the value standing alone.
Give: 12h53m29s
